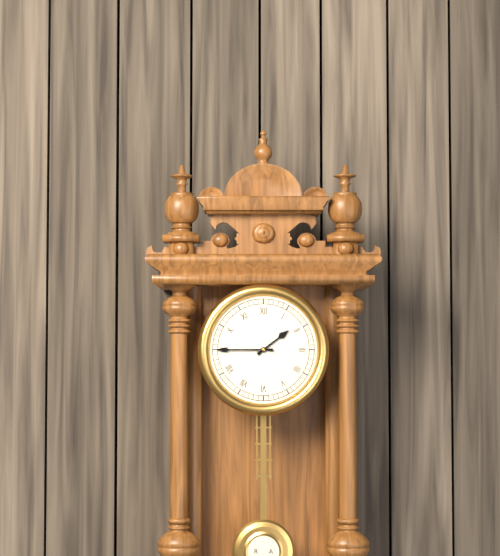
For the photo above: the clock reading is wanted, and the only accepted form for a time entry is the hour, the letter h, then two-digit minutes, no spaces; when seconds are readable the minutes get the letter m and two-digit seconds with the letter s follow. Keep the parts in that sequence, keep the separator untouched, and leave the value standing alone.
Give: 1h45
